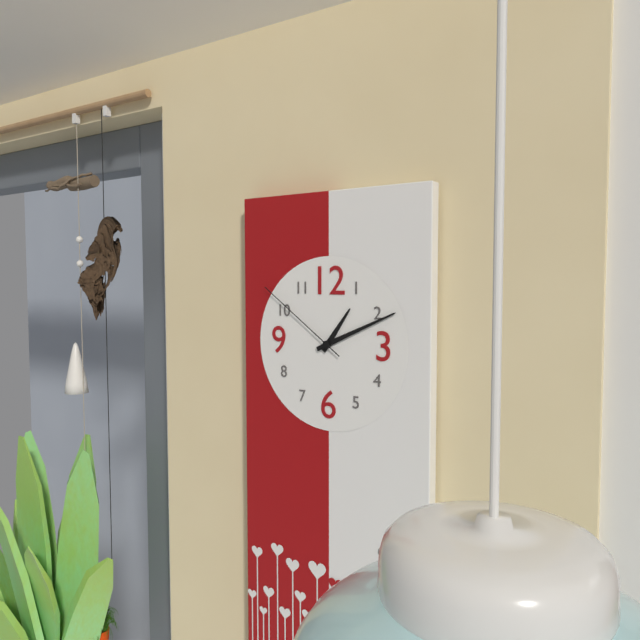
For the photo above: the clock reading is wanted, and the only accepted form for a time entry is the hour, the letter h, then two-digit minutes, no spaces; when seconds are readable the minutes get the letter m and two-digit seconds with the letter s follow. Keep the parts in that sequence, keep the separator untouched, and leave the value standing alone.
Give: 1h11m51s
